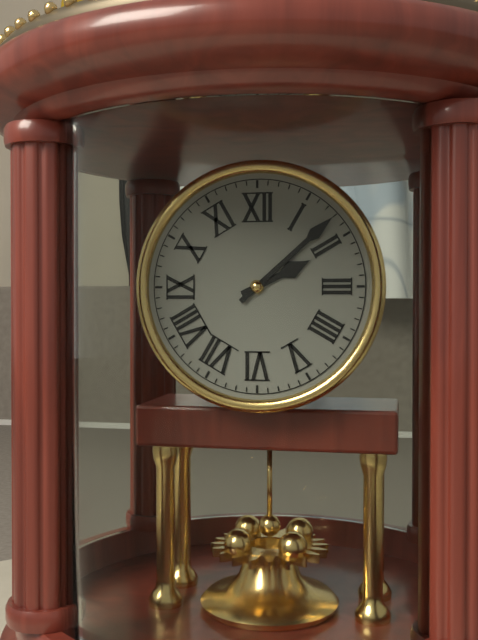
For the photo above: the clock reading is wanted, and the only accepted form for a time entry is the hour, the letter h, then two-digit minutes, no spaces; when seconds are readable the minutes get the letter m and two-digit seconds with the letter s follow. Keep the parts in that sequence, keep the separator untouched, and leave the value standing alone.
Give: 2h08
